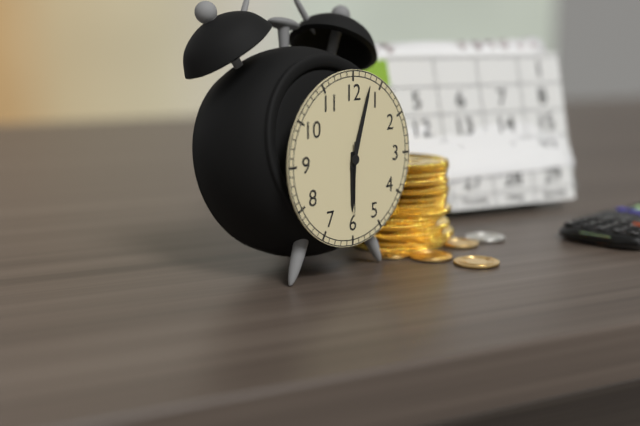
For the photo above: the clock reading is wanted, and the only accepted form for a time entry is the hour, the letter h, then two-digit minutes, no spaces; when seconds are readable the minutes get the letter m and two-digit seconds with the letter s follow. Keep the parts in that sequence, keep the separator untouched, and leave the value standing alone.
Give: 6h03m30s
